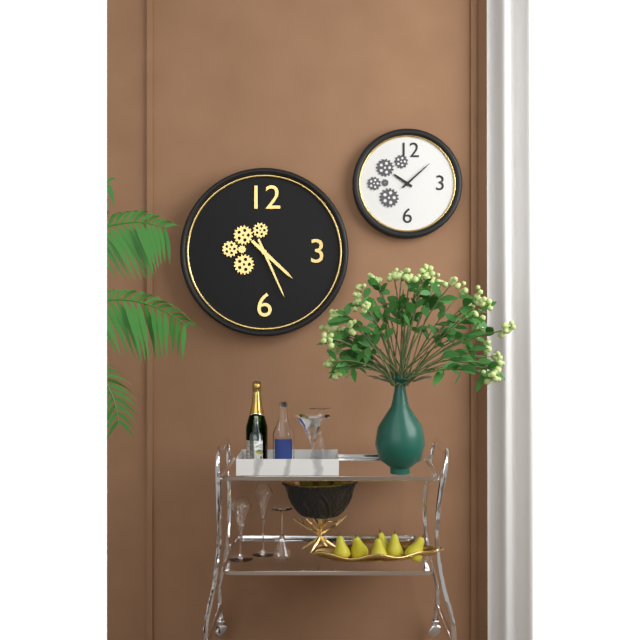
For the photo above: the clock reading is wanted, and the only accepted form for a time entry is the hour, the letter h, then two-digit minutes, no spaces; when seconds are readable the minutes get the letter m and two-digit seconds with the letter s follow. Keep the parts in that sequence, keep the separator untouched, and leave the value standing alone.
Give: 4h26
